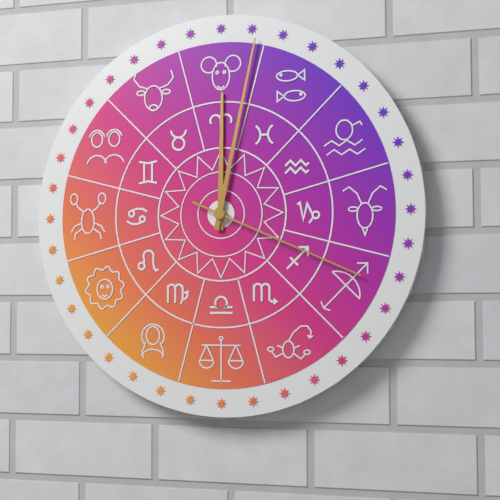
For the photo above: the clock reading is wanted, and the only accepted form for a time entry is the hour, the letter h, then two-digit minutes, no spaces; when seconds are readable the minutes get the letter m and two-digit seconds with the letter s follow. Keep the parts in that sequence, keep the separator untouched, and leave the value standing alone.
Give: 12h02m19s
